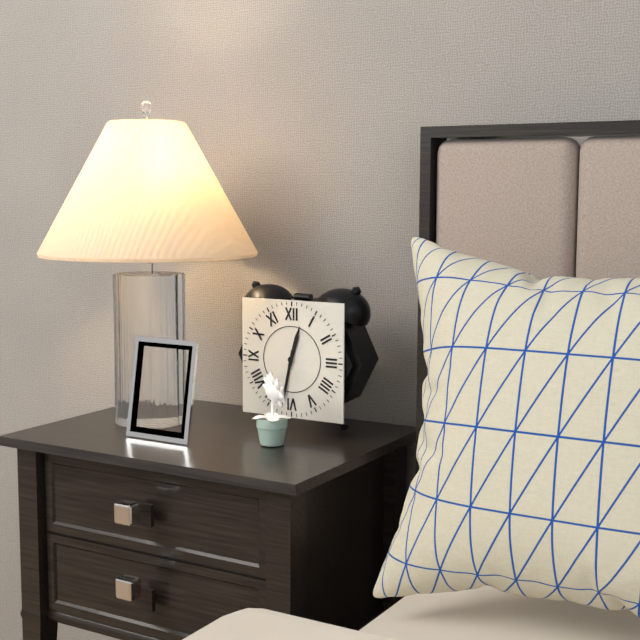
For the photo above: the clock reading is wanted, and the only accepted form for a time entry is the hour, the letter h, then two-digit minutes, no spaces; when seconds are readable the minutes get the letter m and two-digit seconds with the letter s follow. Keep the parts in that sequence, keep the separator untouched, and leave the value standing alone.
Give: 12h32
